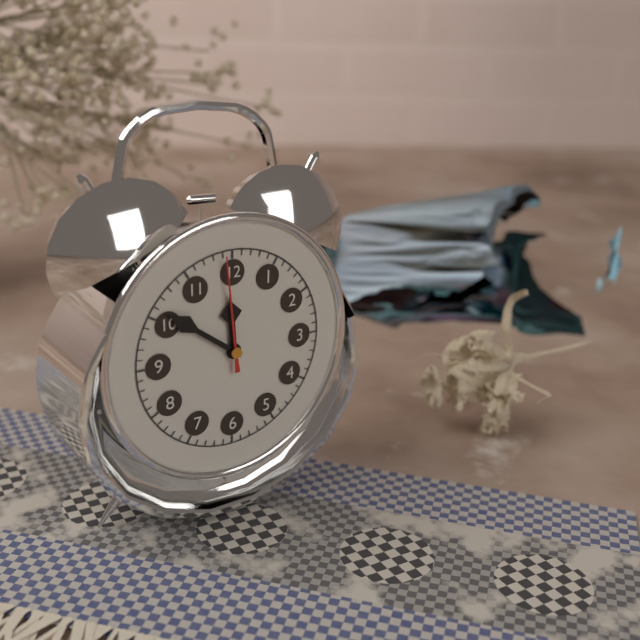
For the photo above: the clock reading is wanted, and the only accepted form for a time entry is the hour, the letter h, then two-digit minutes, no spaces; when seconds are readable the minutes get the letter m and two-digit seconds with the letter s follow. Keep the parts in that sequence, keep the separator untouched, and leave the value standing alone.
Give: 11h51m59s
